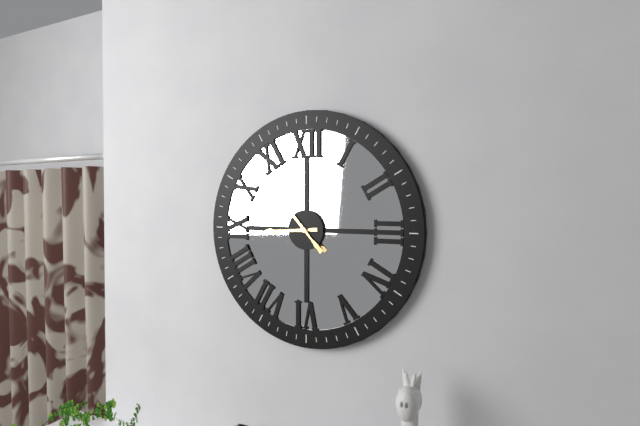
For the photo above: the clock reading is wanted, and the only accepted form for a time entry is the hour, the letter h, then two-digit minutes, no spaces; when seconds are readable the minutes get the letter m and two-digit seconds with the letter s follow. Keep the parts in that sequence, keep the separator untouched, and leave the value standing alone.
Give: 8h53
